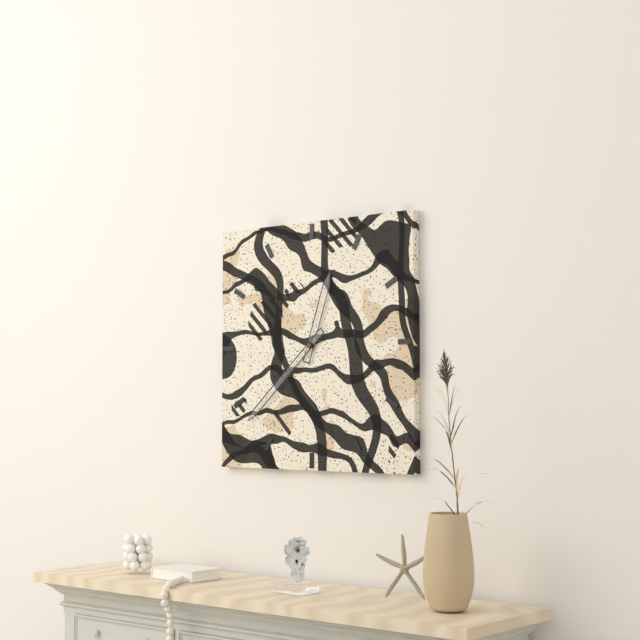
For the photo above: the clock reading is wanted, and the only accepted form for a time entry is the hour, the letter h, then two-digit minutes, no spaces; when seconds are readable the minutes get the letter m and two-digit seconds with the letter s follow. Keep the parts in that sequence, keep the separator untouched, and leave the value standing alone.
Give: 12h38
